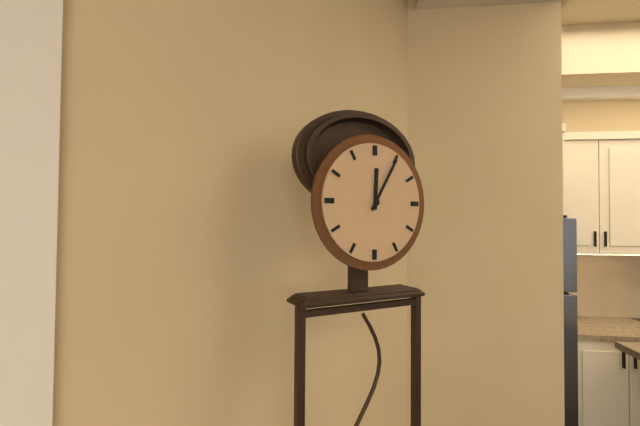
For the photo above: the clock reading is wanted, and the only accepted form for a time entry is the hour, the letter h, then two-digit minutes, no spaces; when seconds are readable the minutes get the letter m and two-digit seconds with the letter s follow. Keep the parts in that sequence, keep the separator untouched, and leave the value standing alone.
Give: 12h05
